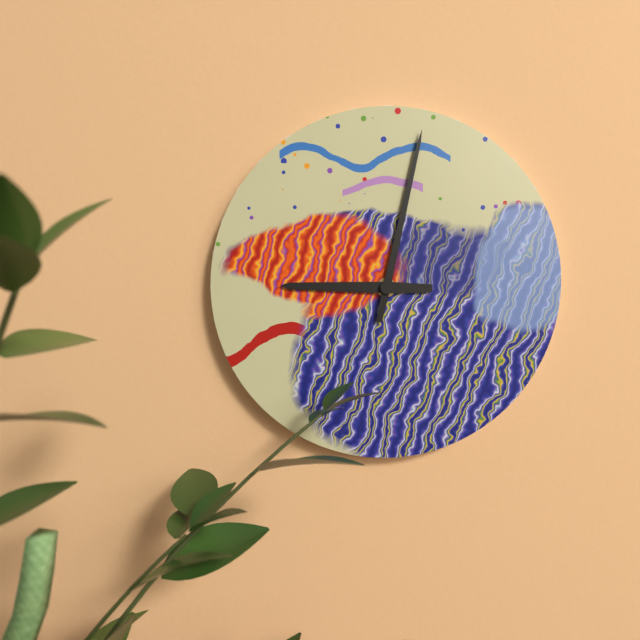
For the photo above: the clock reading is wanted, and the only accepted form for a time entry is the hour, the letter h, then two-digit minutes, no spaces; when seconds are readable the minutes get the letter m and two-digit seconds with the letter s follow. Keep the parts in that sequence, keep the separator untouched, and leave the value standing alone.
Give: 9h02
